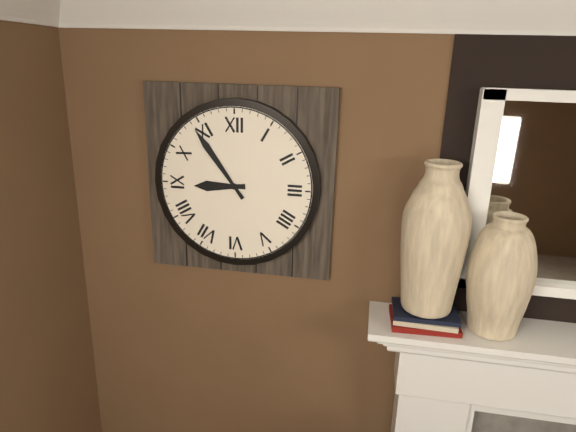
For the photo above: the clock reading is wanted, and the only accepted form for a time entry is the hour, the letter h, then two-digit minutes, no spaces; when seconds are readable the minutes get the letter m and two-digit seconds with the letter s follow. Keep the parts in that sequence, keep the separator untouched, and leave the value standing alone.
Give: 8h54
